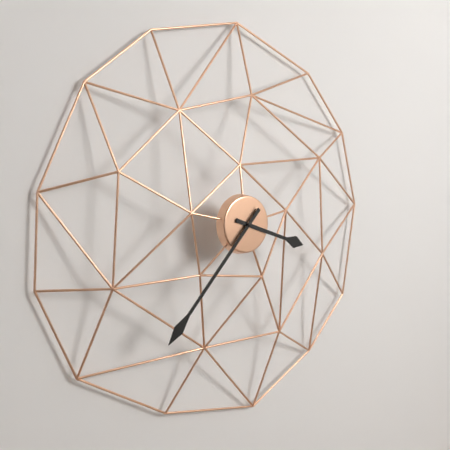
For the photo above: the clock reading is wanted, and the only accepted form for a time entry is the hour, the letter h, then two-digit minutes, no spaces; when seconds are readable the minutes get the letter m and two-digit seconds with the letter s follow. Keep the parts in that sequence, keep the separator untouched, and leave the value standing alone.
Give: 3h37
